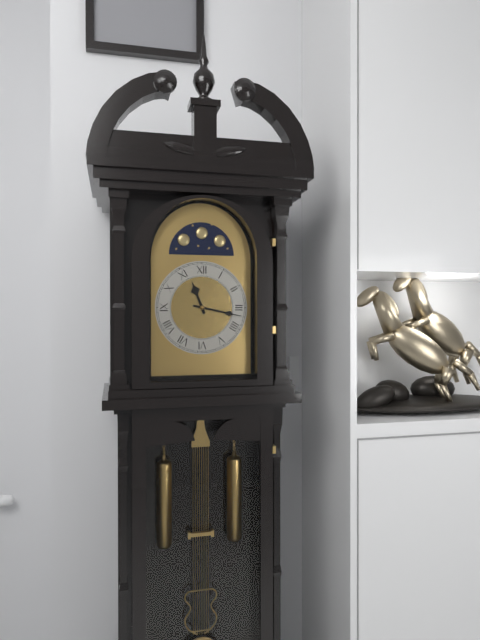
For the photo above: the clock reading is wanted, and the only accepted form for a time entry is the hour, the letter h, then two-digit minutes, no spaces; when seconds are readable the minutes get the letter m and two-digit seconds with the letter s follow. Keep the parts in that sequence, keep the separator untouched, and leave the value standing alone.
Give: 11h17
